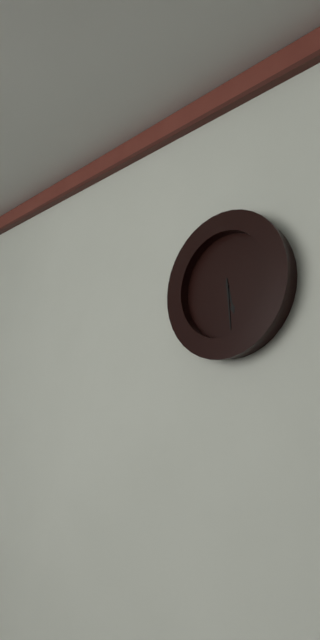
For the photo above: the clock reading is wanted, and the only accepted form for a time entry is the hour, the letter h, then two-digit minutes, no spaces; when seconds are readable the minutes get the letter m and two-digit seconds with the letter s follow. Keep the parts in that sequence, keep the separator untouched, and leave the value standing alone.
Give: 5h29
